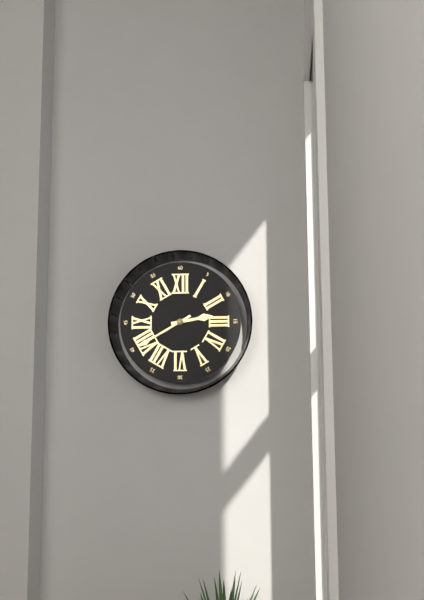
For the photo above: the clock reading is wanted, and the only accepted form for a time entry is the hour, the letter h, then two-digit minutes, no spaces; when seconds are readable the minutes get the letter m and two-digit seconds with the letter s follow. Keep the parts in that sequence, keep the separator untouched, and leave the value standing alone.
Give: 2h40
